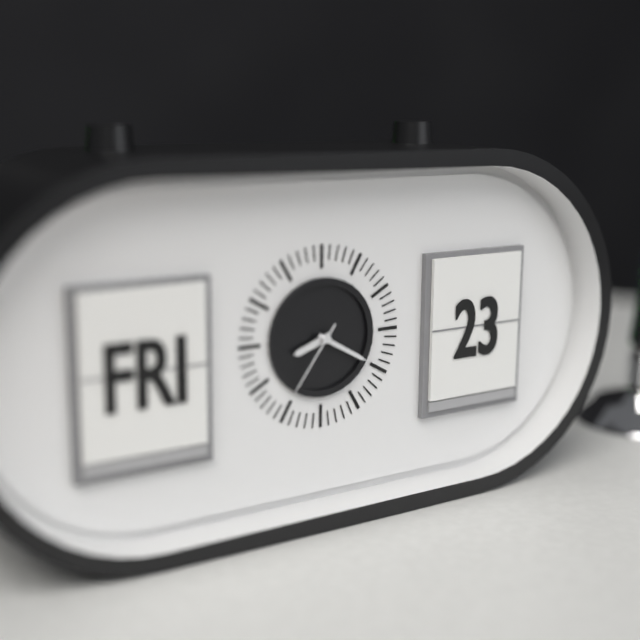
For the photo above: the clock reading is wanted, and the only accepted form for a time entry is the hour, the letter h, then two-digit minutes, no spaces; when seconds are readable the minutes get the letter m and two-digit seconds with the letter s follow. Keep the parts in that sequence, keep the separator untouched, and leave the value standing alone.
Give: 8h20m36s
